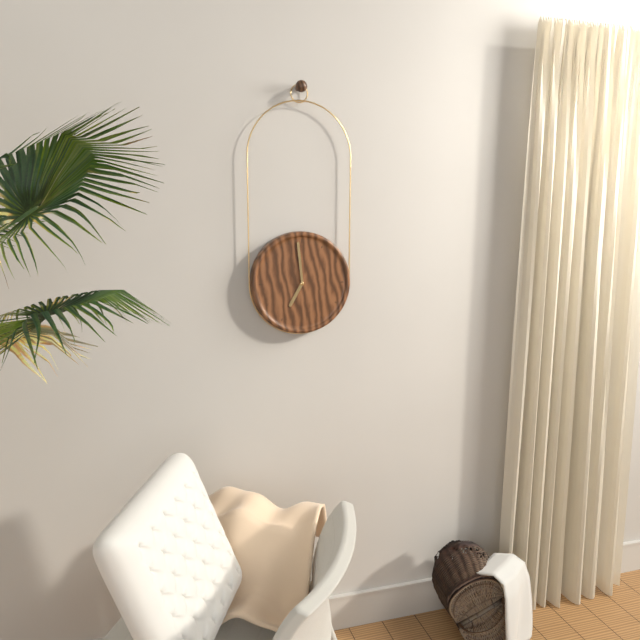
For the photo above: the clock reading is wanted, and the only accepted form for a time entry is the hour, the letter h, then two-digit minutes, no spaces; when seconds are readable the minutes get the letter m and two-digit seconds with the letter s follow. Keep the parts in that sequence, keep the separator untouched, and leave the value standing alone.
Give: 6h59
